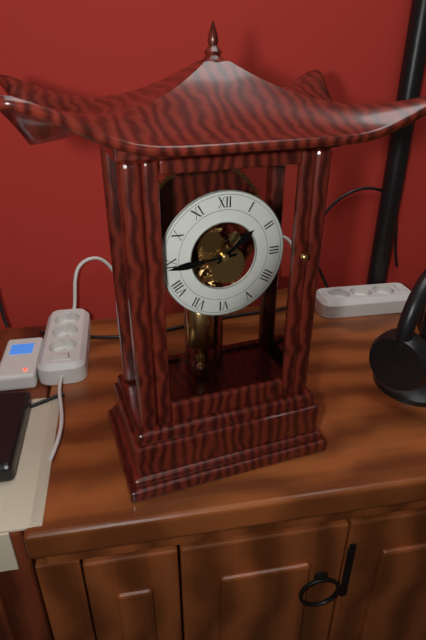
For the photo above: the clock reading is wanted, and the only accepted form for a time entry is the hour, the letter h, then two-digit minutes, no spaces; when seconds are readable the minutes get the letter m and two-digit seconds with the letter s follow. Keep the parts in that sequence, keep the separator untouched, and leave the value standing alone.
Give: 1h44
